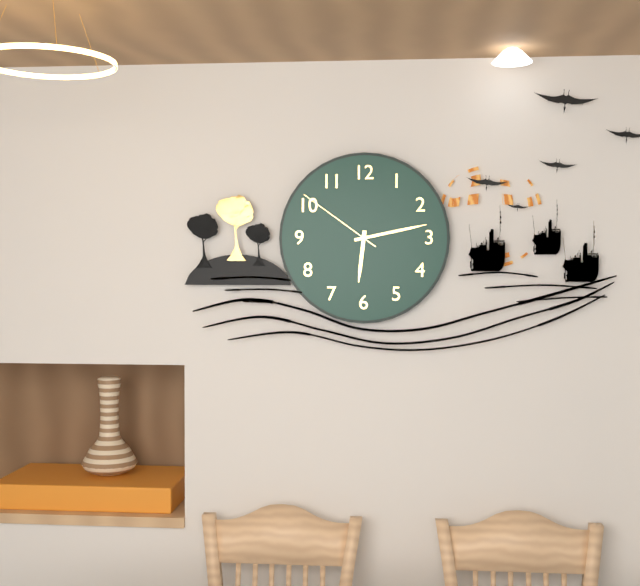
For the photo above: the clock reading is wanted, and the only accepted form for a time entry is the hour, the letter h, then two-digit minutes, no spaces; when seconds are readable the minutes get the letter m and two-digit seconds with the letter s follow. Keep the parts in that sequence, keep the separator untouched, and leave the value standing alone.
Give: 6h13m51s
